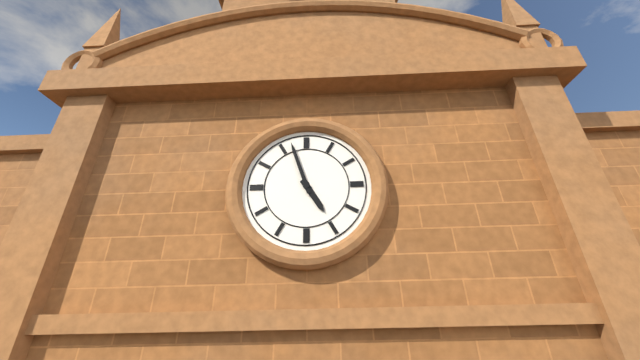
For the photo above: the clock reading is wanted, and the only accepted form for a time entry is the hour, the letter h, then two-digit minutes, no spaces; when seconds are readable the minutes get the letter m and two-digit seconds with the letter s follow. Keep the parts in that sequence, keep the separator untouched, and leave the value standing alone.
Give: 4h57
